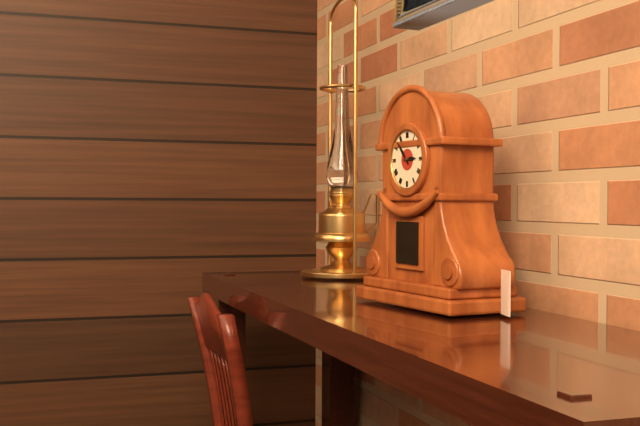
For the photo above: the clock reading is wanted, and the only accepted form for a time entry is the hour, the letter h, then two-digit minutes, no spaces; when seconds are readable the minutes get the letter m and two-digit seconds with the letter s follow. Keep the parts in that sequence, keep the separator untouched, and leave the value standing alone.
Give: 2h53
